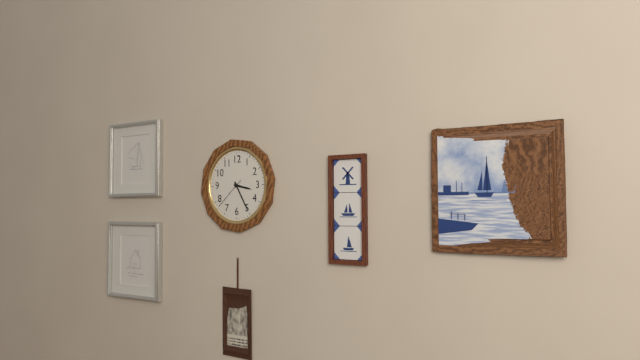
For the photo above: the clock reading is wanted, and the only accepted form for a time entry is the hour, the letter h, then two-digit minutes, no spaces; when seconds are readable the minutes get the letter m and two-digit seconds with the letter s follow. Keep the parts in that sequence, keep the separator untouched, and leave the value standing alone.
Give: 3h25
